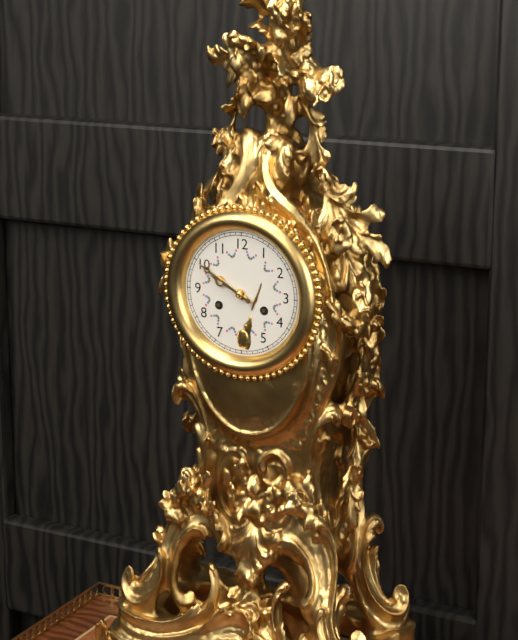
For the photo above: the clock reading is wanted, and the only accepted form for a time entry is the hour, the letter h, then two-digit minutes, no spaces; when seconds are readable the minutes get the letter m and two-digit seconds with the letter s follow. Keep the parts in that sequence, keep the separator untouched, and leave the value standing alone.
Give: 9h50
